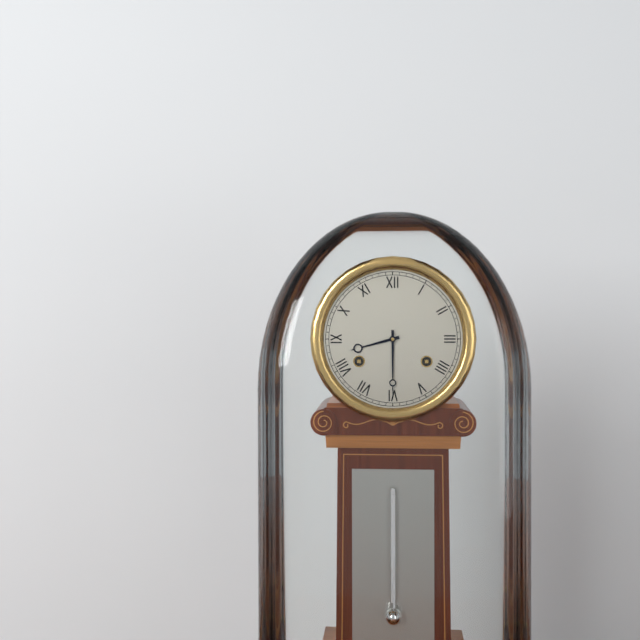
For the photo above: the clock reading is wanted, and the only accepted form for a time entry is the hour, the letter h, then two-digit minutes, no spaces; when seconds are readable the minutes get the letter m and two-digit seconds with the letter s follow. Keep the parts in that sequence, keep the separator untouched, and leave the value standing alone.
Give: 8h30
